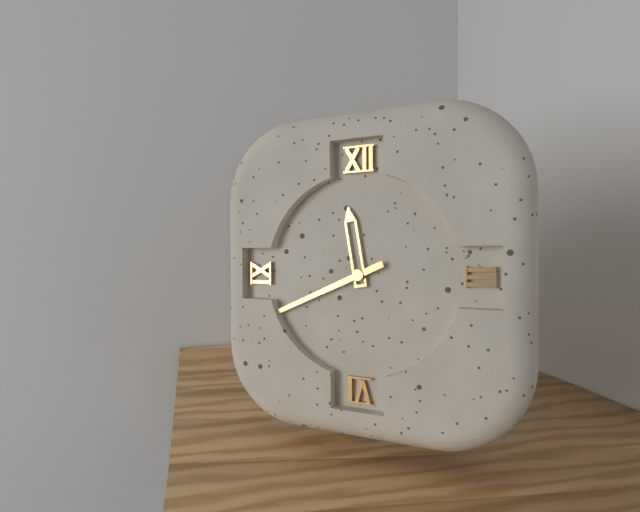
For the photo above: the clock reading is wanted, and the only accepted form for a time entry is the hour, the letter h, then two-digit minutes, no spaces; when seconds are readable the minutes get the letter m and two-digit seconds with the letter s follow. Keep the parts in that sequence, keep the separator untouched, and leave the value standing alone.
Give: 11h41
